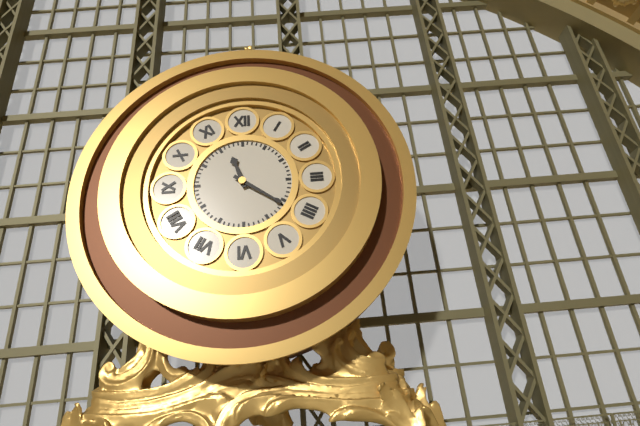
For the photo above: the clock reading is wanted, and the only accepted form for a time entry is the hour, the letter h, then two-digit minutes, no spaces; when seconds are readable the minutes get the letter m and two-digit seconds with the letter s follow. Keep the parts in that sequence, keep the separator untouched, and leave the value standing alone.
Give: 11h21
